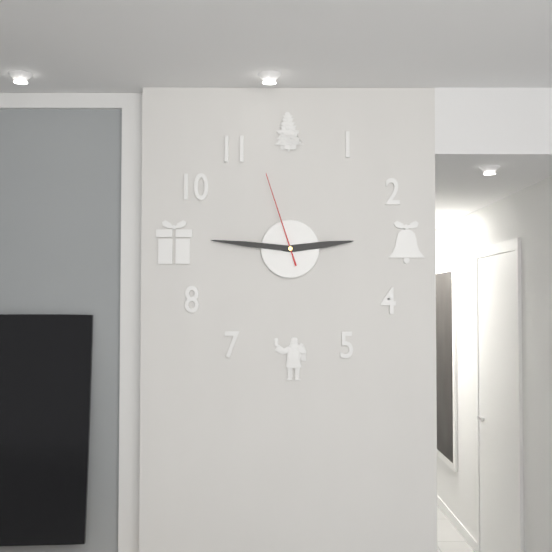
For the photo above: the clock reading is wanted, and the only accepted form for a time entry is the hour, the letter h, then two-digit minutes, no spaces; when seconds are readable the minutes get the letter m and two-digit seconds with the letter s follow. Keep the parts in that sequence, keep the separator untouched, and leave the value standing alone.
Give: 2h46m57s
